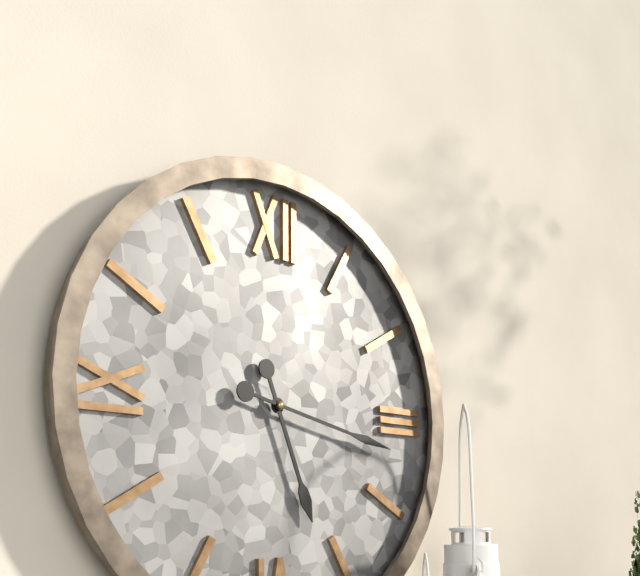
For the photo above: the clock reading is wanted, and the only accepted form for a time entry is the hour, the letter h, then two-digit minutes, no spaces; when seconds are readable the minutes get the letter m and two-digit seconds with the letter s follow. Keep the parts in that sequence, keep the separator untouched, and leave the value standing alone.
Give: 5h17
